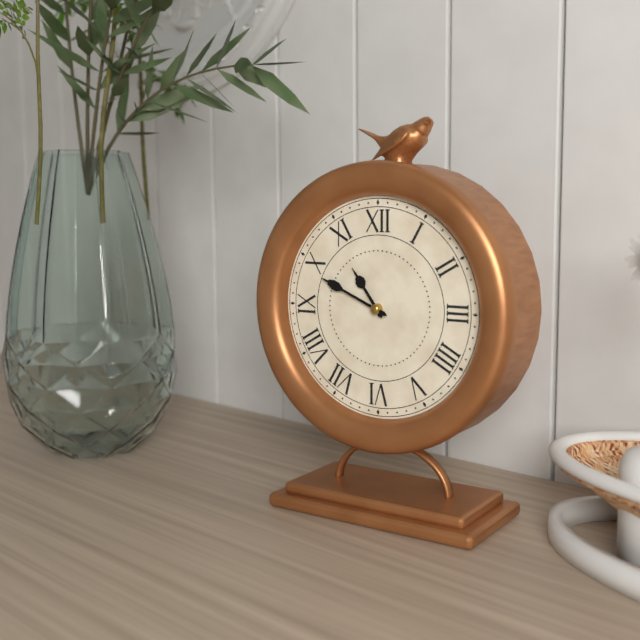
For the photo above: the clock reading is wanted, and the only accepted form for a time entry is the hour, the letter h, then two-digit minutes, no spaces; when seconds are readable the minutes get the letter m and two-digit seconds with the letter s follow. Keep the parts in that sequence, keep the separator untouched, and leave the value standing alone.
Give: 10h49
